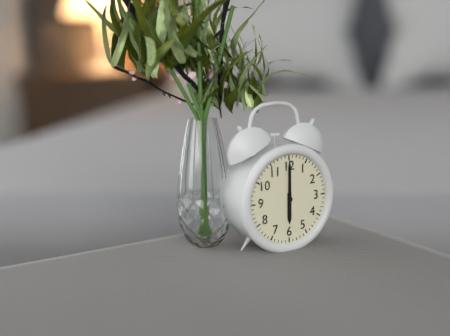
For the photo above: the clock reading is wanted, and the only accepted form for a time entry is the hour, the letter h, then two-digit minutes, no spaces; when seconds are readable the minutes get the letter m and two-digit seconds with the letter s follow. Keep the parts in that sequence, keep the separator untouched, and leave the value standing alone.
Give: 6h00
